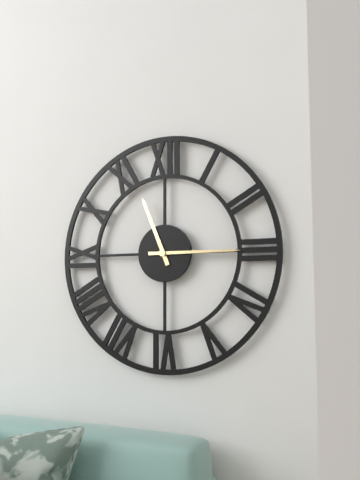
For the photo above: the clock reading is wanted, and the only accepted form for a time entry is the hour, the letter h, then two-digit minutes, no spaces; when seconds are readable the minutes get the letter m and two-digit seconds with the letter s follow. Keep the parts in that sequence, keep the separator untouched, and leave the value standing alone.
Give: 11h15
